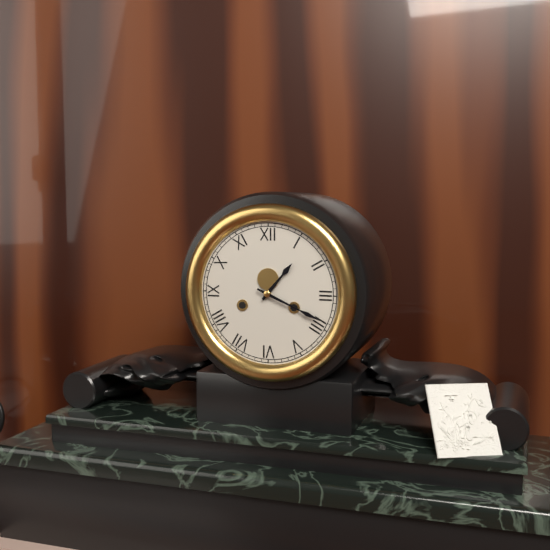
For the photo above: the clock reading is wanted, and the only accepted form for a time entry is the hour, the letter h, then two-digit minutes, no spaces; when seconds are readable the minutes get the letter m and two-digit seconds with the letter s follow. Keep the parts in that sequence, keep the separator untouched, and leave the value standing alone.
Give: 1h19
